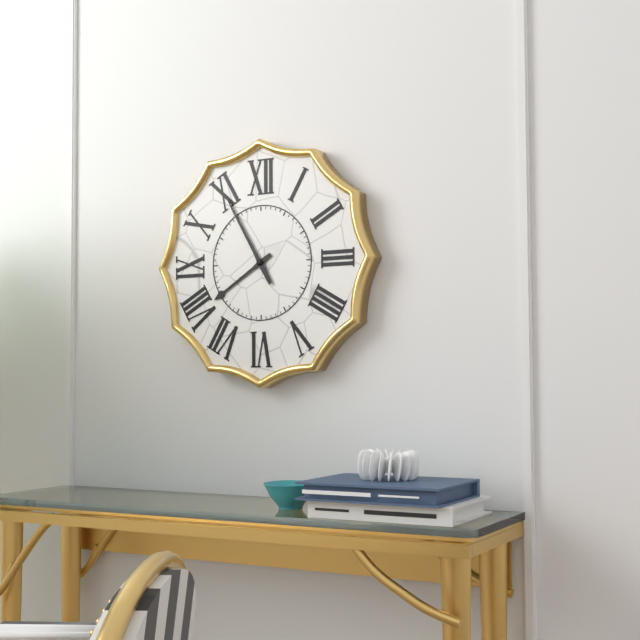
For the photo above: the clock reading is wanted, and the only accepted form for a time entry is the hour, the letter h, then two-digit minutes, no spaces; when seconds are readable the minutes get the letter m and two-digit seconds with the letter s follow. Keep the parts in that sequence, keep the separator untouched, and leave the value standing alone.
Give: 7h55
